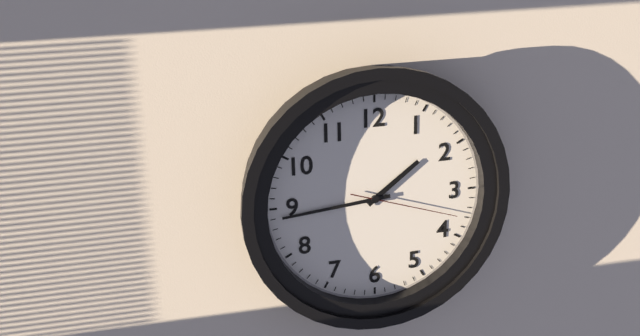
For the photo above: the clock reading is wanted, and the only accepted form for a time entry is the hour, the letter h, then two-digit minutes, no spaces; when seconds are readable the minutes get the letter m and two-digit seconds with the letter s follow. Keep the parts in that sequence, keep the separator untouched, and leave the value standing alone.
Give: 1h44m18s
